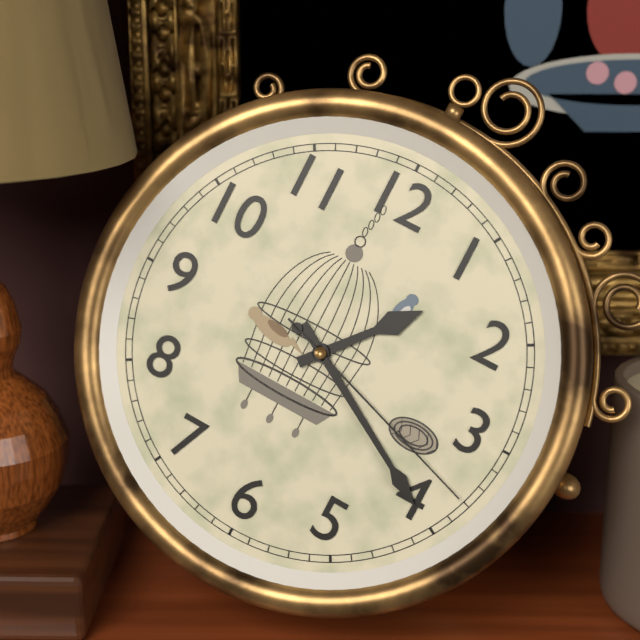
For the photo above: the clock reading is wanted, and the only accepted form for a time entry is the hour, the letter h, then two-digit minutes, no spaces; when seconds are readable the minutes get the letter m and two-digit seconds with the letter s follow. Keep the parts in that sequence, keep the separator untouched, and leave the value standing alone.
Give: 1h20m18s
